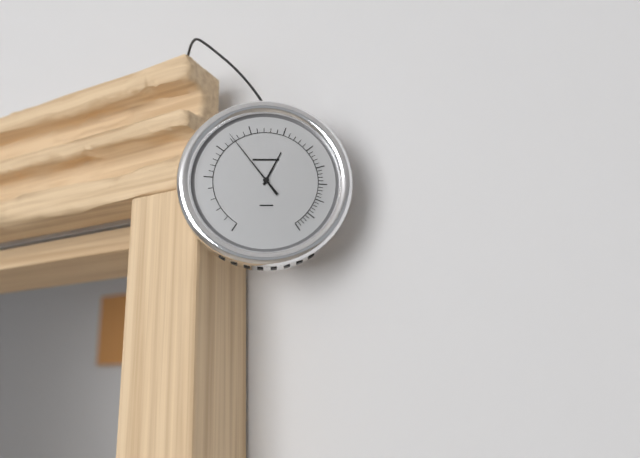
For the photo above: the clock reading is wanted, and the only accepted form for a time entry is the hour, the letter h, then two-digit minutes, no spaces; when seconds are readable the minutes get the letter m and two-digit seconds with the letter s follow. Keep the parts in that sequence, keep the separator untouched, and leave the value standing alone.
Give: 12h54
